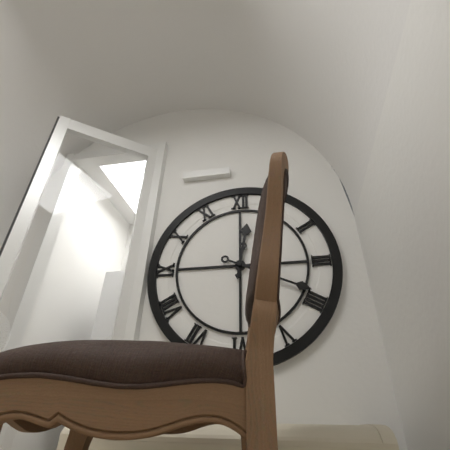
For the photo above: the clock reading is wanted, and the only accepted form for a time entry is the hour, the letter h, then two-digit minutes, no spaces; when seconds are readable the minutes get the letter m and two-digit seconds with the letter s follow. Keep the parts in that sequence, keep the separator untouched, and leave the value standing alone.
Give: 12h19
